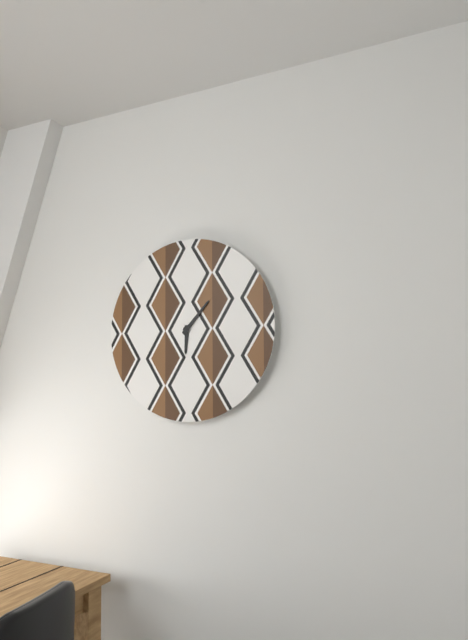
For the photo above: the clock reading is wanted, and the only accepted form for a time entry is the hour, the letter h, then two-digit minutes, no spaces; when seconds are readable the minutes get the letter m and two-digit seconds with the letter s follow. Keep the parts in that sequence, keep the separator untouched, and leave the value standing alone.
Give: 6h07
